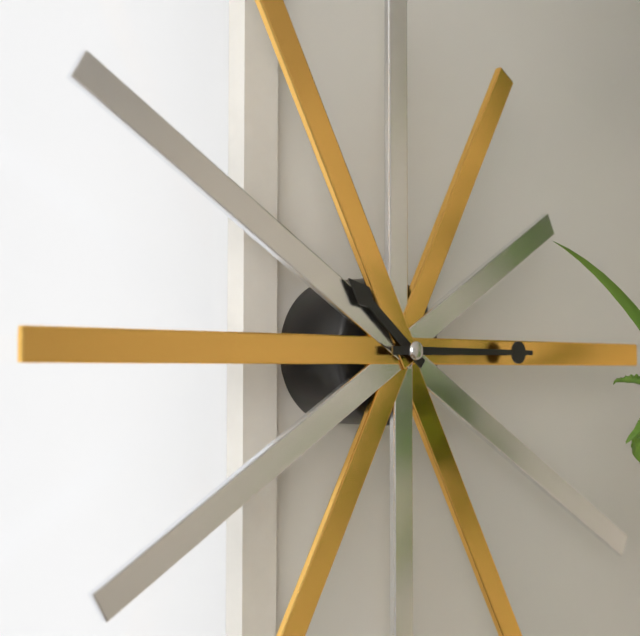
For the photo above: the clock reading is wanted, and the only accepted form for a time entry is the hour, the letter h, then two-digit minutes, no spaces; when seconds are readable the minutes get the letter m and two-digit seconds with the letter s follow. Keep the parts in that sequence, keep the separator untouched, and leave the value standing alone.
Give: 10h15
